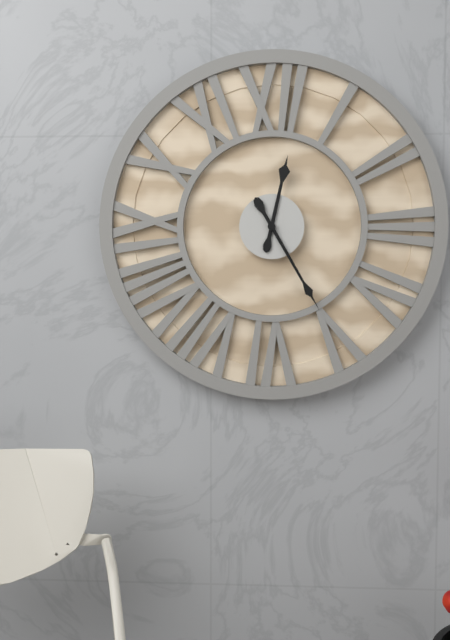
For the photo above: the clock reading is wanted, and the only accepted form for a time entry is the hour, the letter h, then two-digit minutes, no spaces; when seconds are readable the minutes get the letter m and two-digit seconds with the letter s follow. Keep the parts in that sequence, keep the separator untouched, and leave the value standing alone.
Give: 12h25
